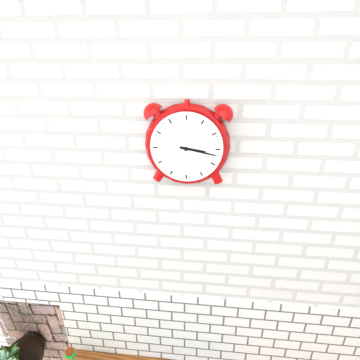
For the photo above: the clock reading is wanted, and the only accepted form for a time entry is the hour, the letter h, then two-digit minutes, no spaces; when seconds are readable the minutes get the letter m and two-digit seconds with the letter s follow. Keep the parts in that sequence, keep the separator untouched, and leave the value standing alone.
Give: 3h17
